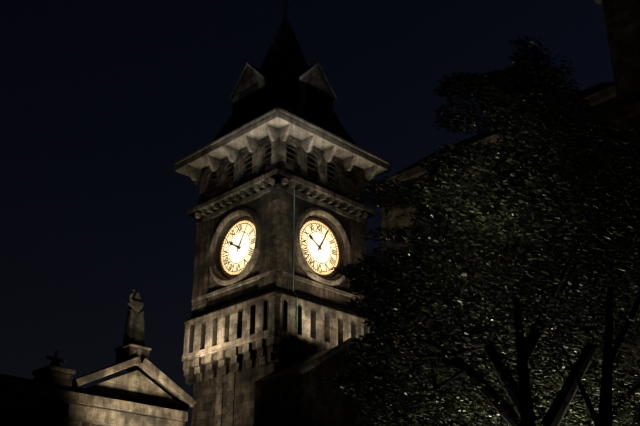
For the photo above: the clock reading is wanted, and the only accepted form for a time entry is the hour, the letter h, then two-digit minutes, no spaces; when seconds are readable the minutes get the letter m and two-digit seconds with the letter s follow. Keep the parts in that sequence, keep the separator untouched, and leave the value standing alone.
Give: 10h05
